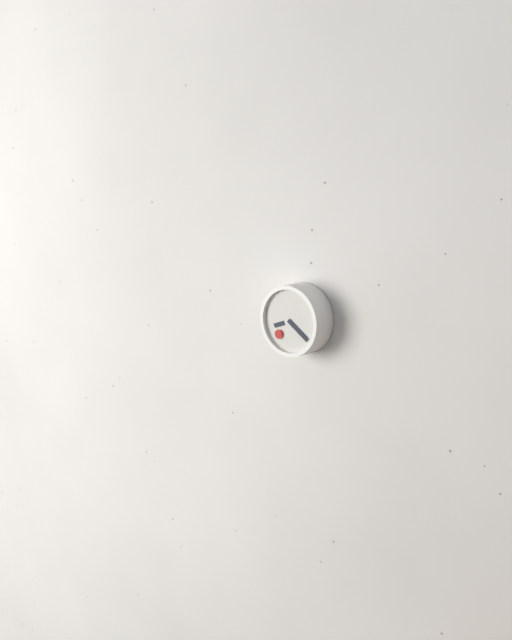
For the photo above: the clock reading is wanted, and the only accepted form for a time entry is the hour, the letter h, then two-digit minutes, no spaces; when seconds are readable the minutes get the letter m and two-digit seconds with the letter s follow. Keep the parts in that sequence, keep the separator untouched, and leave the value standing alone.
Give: 8h21
